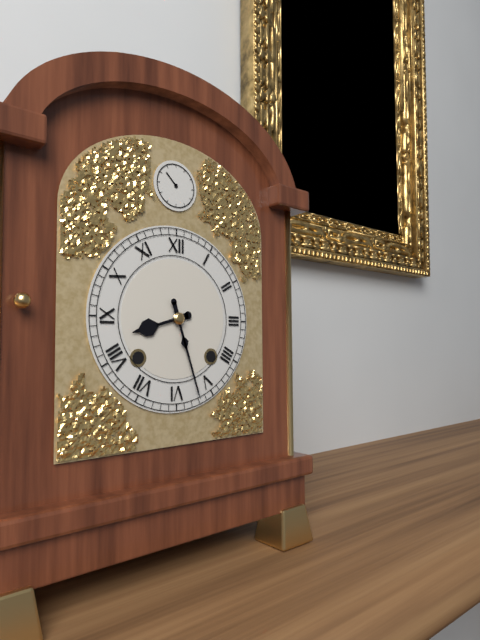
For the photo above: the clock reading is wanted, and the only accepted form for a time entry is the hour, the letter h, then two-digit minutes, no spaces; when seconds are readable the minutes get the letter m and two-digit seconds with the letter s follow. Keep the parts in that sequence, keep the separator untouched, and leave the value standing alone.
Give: 8h27
